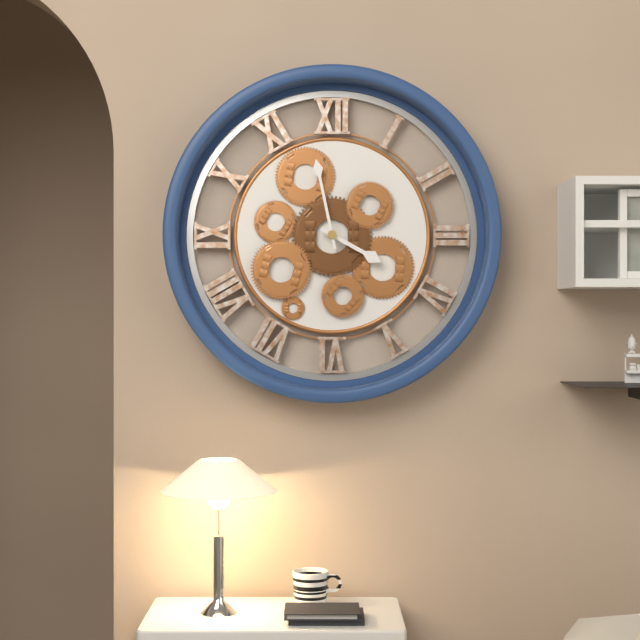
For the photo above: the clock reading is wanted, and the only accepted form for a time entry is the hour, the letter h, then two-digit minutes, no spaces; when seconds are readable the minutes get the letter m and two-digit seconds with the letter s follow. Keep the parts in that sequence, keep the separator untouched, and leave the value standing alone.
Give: 3h58
